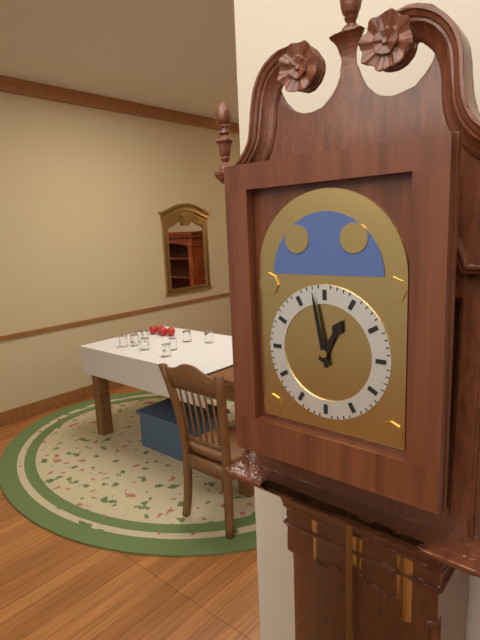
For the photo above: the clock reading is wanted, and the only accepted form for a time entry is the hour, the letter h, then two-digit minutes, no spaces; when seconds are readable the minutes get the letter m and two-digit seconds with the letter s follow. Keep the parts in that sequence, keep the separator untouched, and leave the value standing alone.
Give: 12h58
